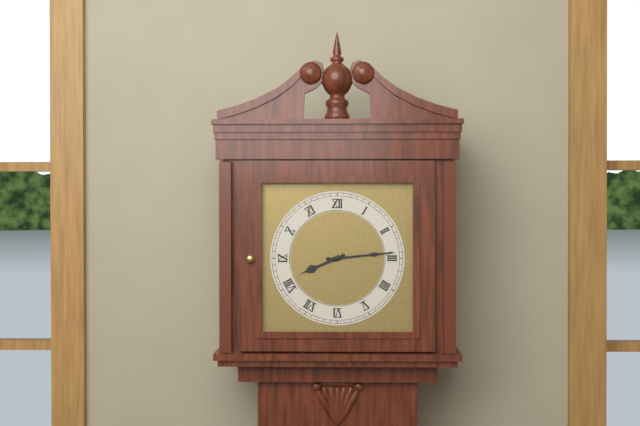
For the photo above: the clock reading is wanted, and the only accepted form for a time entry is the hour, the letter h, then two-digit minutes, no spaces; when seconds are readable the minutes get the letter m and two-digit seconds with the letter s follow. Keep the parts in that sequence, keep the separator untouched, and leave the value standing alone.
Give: 8h14
